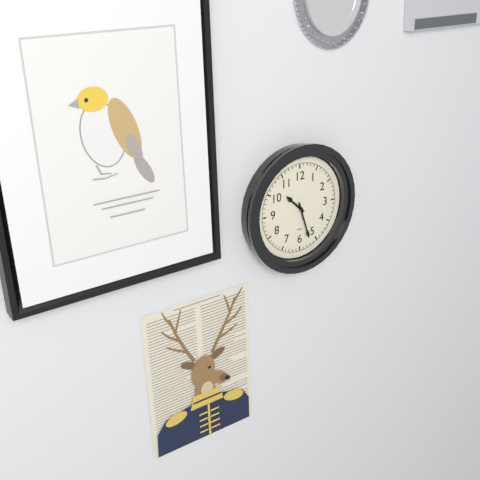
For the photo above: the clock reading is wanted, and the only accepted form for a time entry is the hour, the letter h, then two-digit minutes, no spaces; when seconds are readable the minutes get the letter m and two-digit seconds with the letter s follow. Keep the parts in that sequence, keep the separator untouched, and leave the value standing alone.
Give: 10h27
